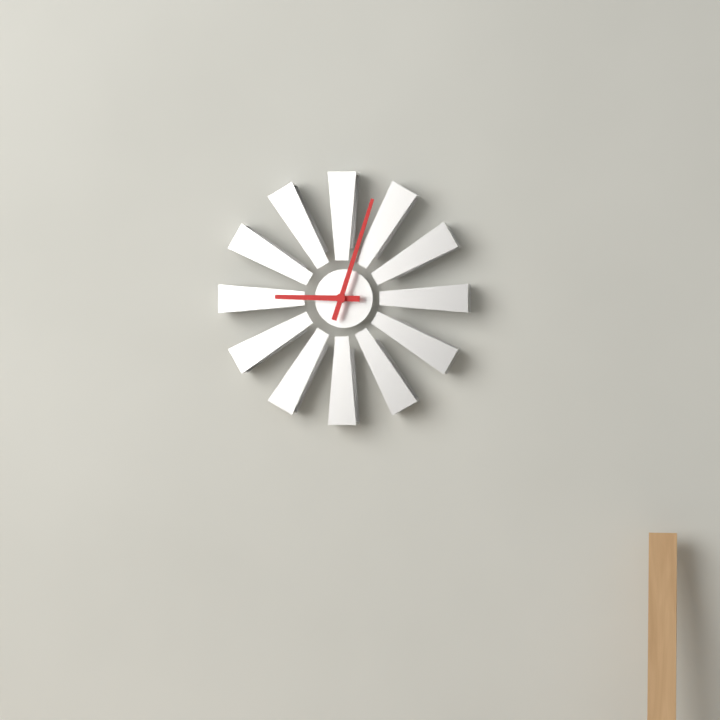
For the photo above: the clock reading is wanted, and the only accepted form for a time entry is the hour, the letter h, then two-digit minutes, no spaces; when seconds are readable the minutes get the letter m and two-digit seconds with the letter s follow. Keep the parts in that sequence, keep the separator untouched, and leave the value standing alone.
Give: 9h03
